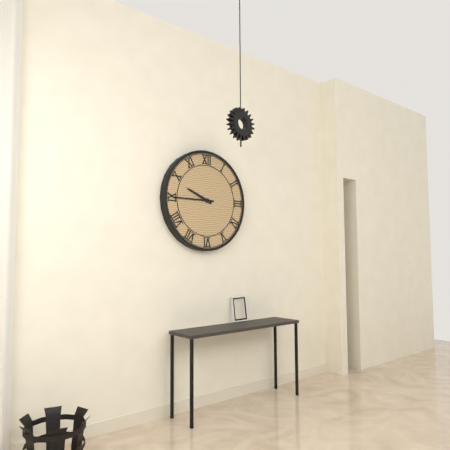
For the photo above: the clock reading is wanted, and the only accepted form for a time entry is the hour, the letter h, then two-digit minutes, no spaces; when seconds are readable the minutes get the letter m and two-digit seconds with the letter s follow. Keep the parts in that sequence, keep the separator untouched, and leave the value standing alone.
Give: 9h45
